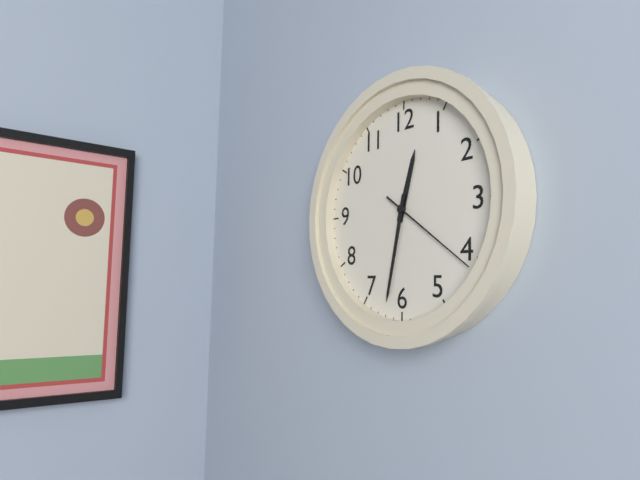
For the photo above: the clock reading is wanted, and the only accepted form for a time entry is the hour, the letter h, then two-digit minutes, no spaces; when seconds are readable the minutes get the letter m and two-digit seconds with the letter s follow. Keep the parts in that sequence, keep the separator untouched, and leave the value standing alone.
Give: 12h32m21s
